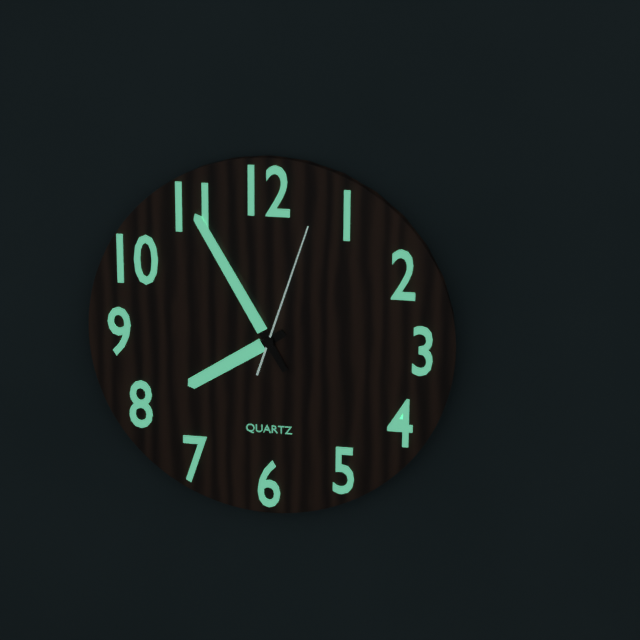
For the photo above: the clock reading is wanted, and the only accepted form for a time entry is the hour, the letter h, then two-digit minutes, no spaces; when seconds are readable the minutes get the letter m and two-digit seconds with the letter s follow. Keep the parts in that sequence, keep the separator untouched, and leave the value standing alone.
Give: 7h55m03s
